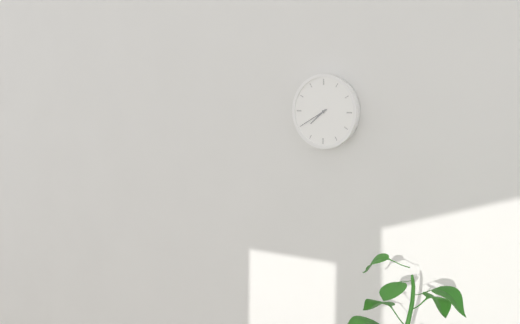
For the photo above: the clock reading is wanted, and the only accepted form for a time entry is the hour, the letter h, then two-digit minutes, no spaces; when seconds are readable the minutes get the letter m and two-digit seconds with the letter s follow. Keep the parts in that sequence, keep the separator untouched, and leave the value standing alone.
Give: 7h40
